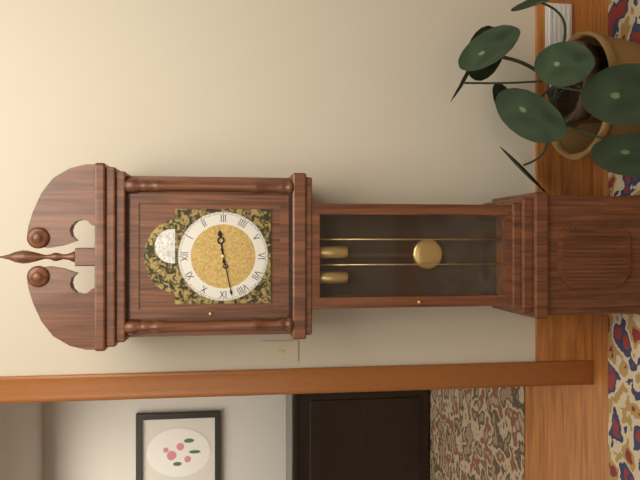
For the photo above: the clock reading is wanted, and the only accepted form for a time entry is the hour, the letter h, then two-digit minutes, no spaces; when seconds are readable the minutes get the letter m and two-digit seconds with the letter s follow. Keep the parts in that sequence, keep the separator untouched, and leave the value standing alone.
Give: 2h43
